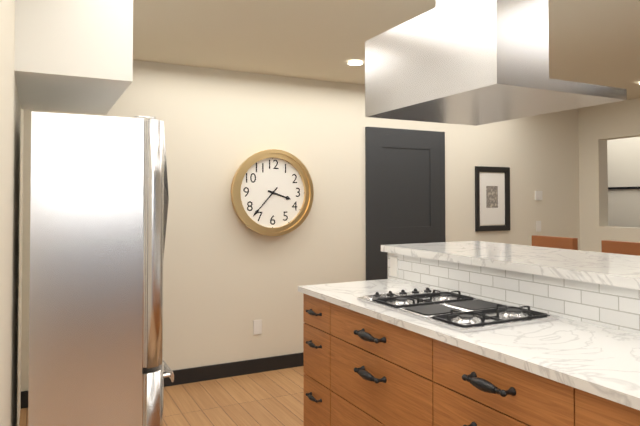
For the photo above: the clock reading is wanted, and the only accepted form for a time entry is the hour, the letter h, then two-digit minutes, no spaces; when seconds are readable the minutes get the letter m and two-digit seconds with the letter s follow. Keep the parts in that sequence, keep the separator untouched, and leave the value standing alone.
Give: 3h37
